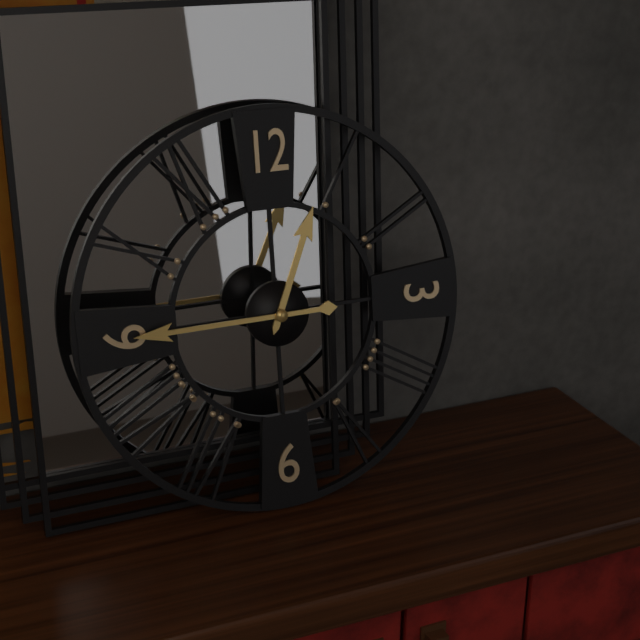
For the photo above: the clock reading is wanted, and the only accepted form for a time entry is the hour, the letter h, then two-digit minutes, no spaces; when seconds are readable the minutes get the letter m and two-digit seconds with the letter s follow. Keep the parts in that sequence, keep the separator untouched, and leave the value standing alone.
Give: 12h45
